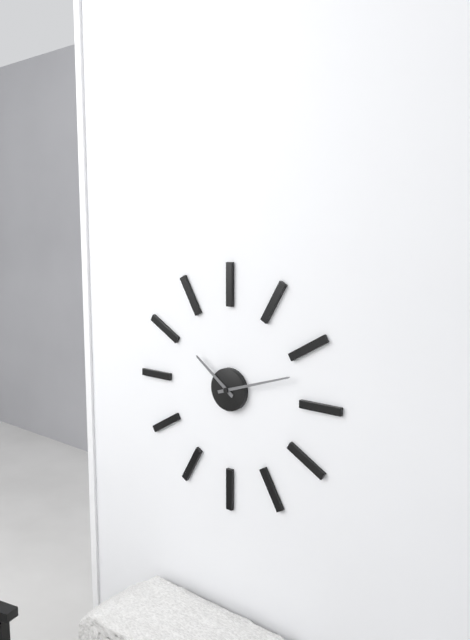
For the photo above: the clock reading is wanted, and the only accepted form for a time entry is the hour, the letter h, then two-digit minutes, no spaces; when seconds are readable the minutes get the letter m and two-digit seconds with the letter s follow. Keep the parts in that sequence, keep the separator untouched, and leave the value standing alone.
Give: 10h12
